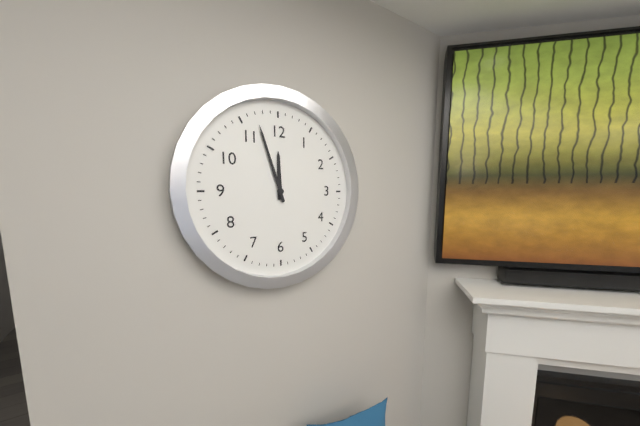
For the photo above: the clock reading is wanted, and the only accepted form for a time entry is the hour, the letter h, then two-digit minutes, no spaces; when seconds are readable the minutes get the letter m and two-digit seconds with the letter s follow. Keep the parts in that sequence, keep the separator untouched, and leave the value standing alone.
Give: 11h57
